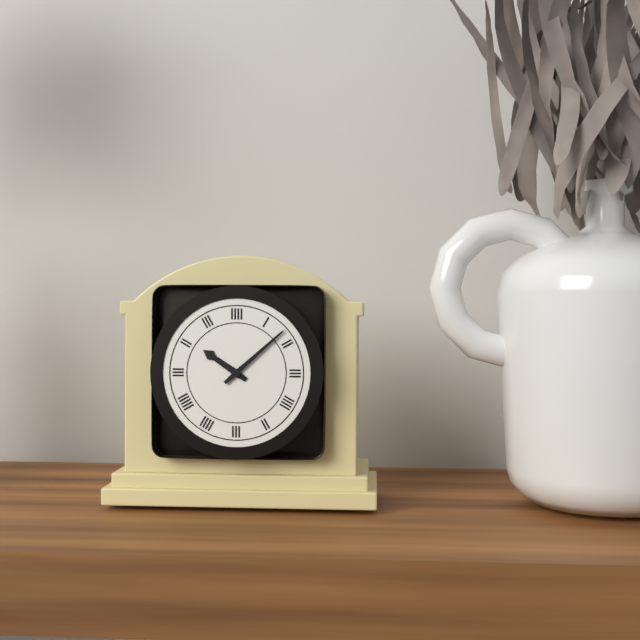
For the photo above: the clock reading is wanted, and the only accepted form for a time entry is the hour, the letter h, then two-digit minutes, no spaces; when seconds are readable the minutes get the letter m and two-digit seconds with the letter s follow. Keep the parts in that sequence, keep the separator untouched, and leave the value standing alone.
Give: 10h08
